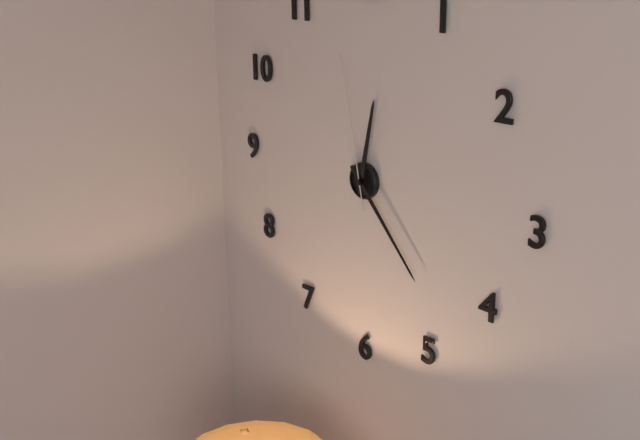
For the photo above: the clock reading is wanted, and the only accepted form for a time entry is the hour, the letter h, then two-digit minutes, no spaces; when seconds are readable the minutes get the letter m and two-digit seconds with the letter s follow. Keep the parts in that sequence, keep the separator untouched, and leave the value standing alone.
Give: 12h23m58s
